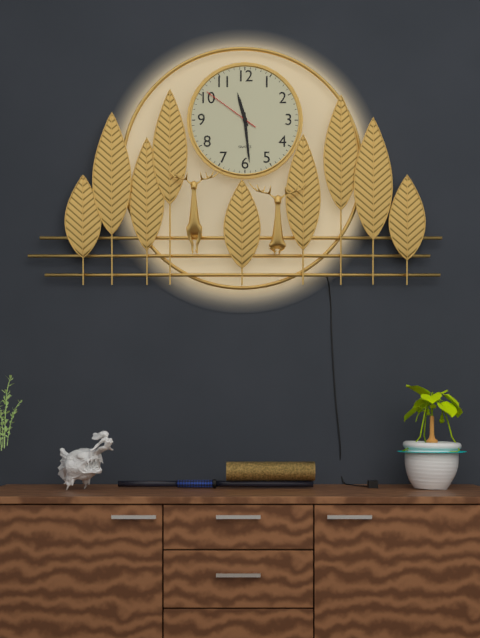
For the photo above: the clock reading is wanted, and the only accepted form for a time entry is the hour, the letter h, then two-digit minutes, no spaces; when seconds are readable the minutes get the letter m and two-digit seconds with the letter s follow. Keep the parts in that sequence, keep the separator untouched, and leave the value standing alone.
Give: 11h29m51s
